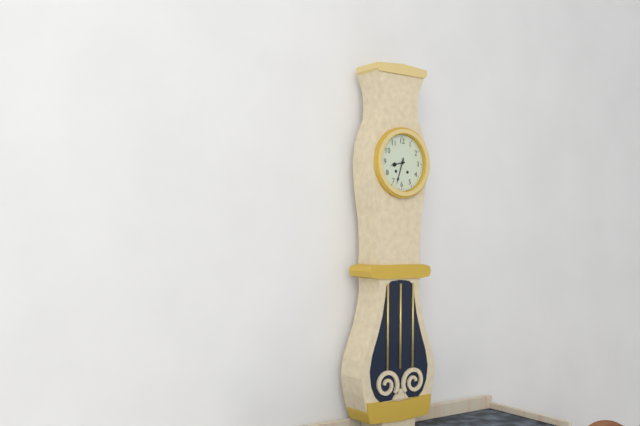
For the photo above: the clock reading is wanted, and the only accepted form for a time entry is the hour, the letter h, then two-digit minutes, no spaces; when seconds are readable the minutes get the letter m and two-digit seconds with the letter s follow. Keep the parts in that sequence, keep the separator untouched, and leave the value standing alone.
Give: 8h33
